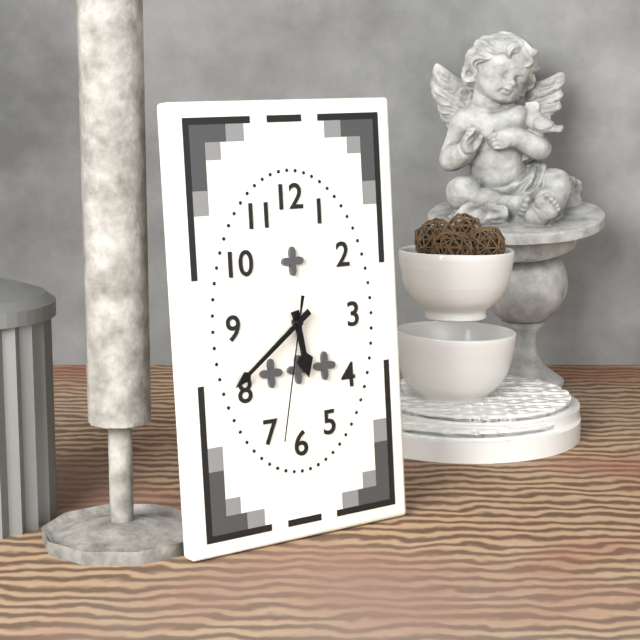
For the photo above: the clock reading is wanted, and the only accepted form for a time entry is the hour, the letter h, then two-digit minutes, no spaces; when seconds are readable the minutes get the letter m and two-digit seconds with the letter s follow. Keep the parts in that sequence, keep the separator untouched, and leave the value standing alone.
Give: 5h39m32s
